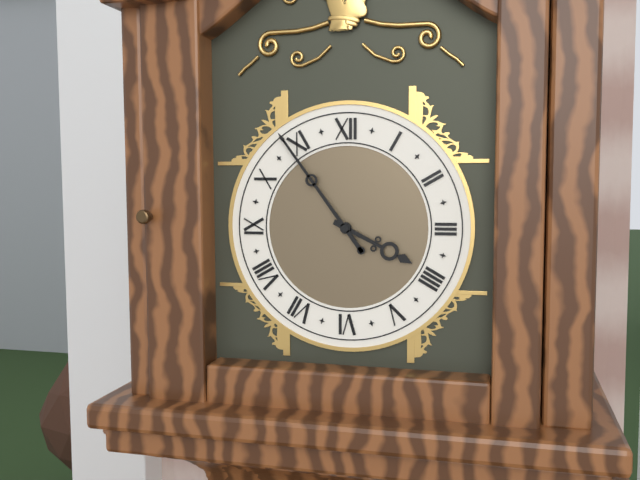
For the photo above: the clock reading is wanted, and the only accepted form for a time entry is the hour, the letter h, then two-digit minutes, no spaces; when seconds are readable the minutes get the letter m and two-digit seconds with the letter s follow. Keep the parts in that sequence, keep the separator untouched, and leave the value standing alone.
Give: 3h54
